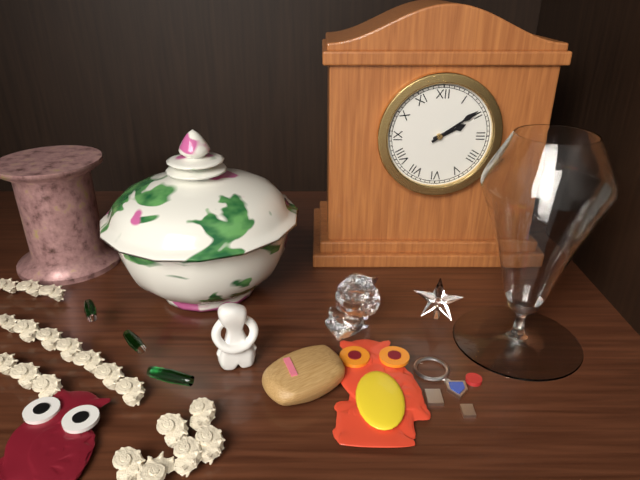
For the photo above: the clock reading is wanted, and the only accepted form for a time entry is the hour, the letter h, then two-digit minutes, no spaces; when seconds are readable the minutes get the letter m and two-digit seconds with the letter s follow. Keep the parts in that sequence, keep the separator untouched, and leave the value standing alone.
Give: 2h09
